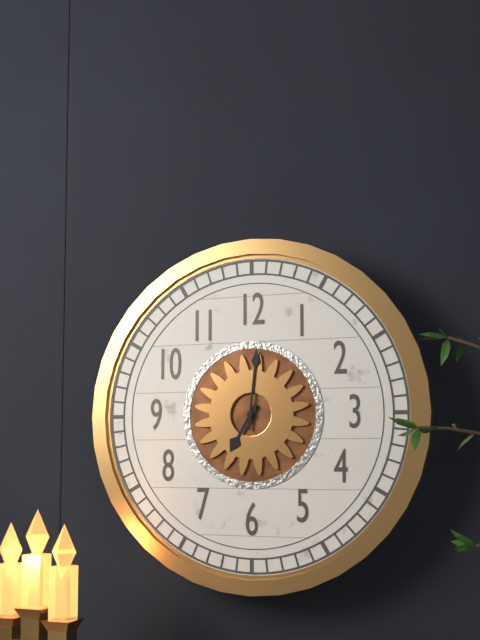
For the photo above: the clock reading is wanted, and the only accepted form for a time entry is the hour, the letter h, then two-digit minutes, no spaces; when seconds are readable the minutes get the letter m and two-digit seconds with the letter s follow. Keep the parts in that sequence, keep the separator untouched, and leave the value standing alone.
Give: 7h01
